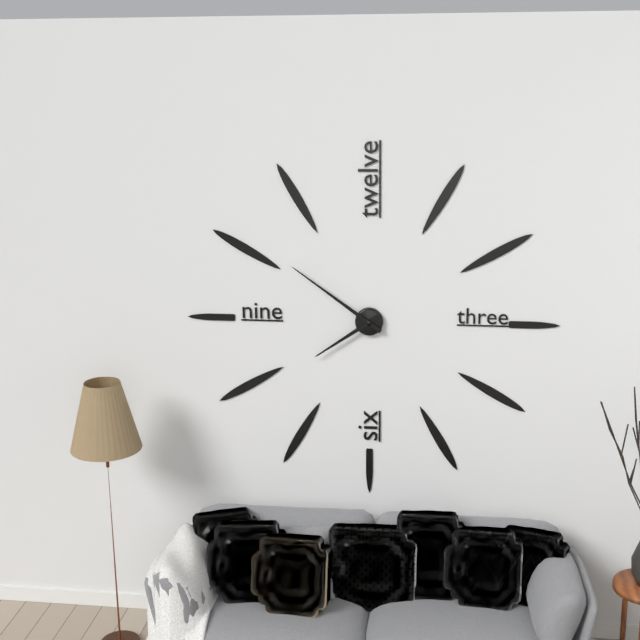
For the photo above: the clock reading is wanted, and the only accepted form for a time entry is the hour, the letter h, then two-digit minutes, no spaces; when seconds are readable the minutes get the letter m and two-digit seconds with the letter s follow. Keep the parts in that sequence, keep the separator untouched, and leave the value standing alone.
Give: 7h51
